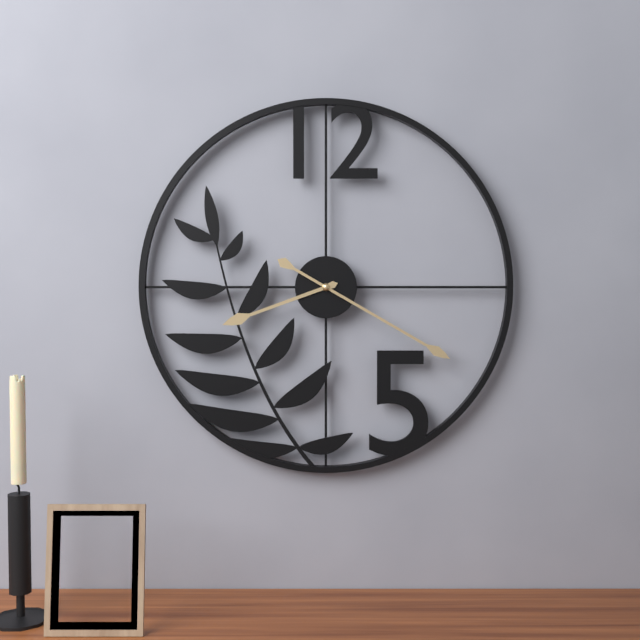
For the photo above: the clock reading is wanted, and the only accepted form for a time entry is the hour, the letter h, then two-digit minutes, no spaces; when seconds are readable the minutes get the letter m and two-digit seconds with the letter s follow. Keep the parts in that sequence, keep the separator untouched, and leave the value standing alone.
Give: 8h20
